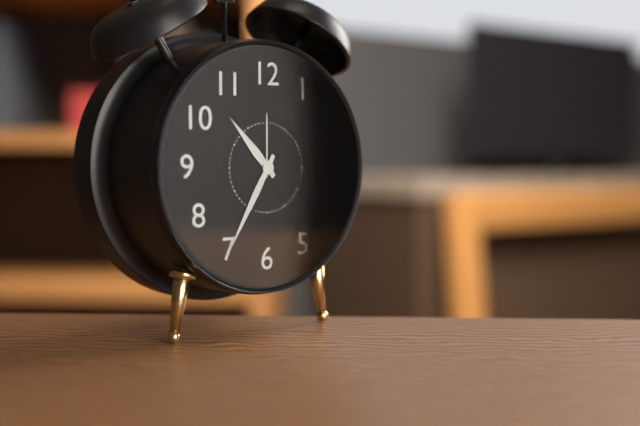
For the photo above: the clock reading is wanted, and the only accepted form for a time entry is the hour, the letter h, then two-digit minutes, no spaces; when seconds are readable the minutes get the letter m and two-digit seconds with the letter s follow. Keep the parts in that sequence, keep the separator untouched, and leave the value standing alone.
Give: 10h35
